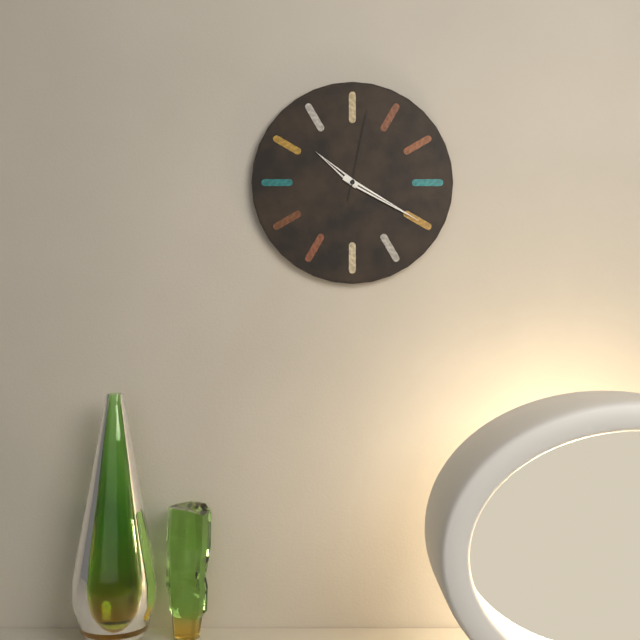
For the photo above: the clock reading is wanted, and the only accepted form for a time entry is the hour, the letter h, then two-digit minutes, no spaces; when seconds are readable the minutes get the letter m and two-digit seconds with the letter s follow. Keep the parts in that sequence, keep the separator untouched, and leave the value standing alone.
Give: 10h20m02s
